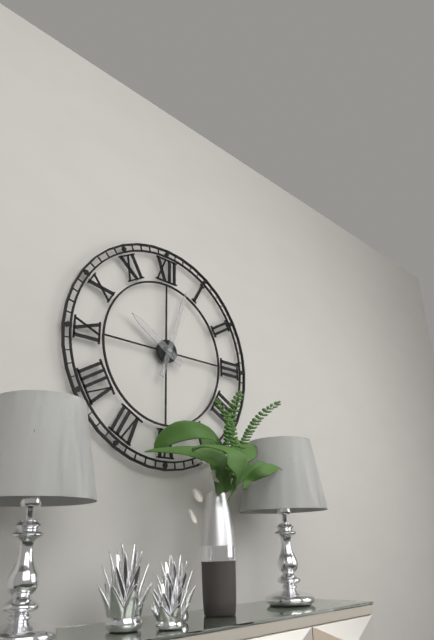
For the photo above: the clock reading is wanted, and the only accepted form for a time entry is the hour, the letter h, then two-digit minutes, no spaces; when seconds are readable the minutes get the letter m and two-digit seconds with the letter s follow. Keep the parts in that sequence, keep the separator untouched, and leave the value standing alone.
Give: 10h03
